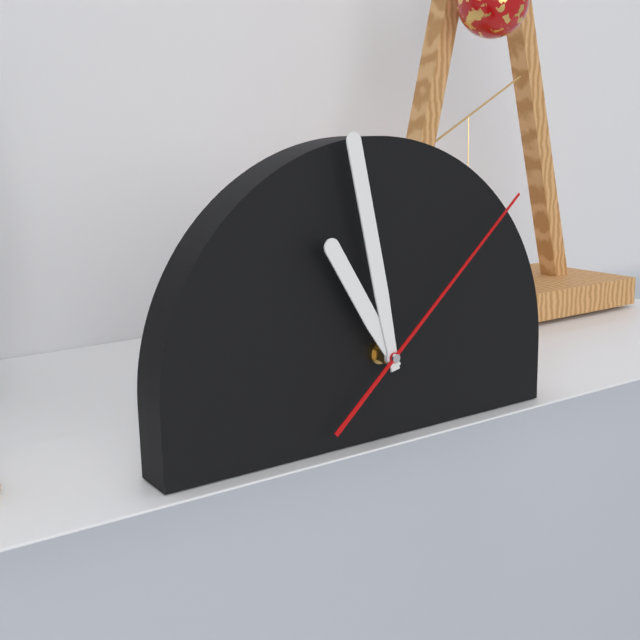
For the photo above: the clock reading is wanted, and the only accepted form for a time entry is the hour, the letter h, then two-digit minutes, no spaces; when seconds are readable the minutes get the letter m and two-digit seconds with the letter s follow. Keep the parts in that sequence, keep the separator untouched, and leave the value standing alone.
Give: 10h58m08s
